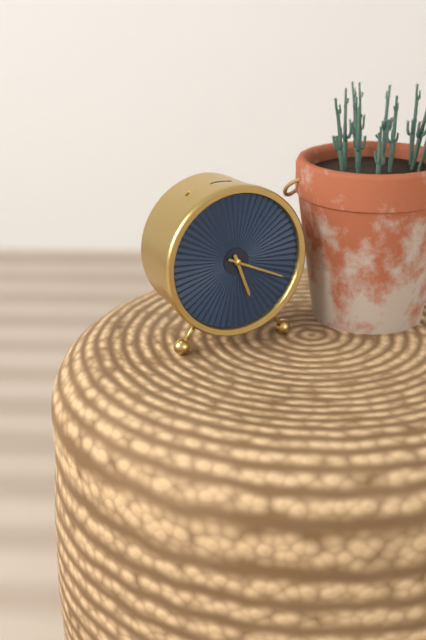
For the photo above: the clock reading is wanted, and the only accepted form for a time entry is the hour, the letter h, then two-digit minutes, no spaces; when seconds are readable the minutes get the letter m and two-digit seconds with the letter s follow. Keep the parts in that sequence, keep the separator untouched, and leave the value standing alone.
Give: 5h19
